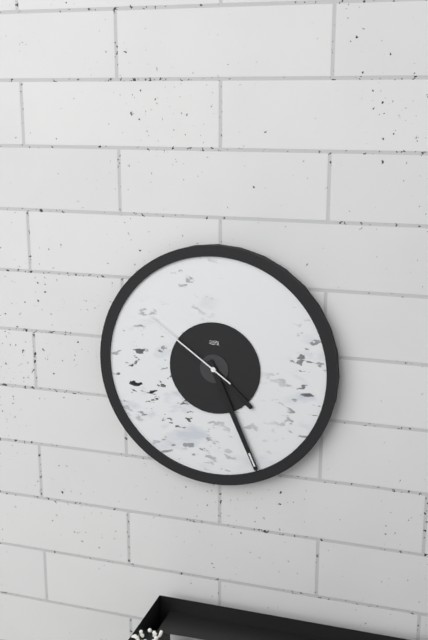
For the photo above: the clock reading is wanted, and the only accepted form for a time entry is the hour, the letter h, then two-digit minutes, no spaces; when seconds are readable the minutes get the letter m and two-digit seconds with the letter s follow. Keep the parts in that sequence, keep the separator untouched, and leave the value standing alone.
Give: 4h26m51s
